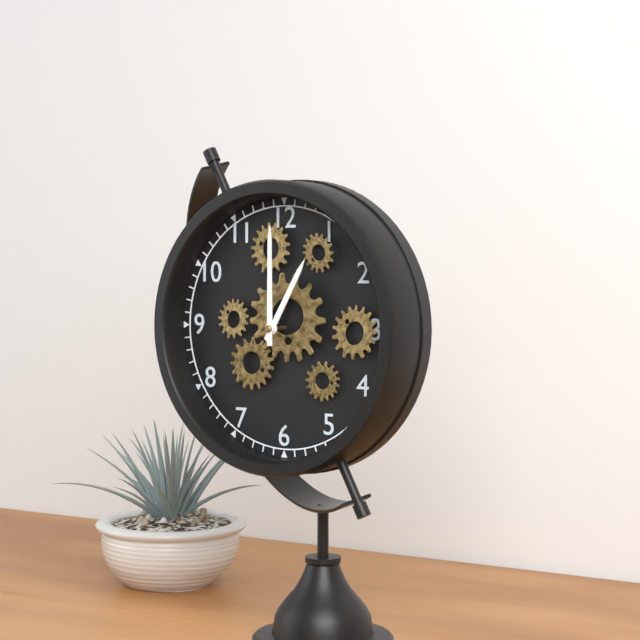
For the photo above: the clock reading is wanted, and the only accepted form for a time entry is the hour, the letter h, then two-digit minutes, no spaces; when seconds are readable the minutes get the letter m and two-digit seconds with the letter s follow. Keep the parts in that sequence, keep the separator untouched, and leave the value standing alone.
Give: 1h00
